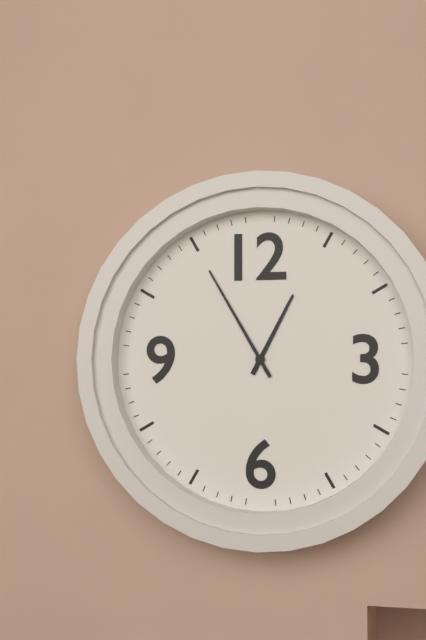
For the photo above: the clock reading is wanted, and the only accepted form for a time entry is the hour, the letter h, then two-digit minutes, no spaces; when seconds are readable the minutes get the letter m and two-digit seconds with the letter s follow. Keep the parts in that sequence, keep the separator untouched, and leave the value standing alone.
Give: 12h55
